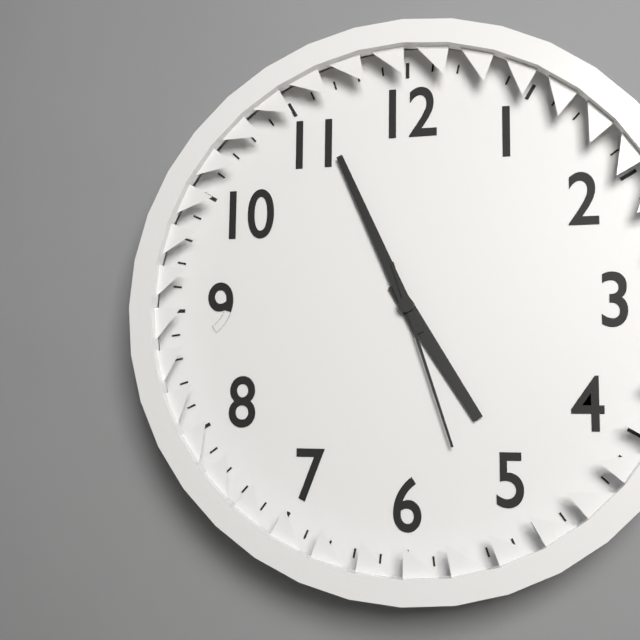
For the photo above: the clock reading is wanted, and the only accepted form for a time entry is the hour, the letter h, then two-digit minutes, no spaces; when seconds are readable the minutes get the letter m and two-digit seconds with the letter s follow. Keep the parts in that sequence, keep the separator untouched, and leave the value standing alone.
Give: 4h56m27s
